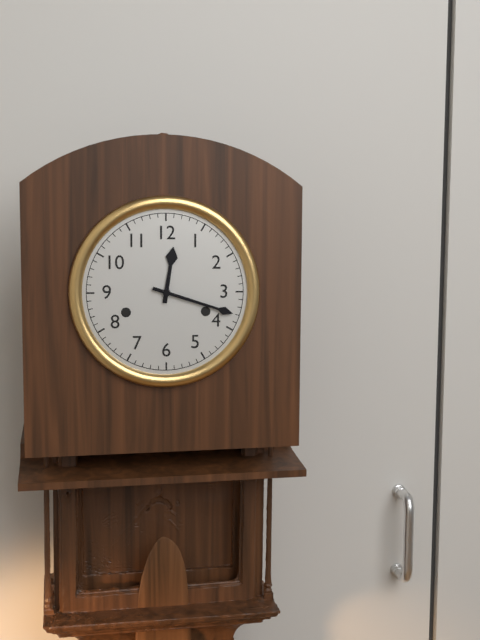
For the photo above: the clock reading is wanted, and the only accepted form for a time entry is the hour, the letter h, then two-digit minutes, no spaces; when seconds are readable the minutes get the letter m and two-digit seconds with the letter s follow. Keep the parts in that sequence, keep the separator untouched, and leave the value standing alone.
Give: 12h18
